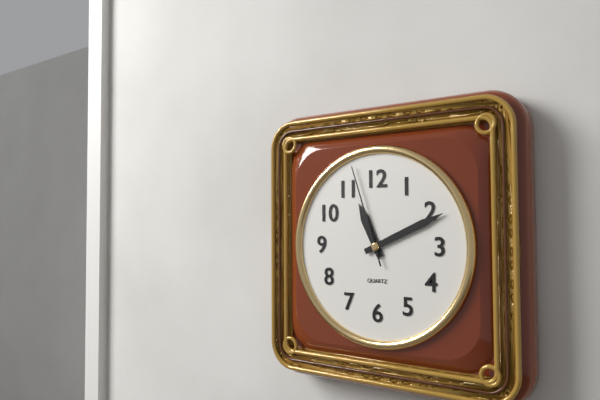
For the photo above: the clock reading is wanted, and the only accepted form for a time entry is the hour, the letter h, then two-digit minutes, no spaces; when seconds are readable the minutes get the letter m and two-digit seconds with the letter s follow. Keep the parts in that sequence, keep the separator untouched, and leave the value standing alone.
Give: 11h11m57s
